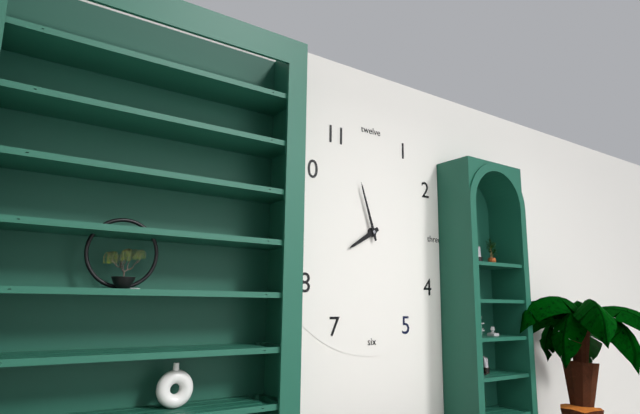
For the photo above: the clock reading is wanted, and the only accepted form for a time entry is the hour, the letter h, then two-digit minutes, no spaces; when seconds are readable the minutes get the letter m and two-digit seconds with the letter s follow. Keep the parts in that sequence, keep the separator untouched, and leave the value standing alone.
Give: 7h57
